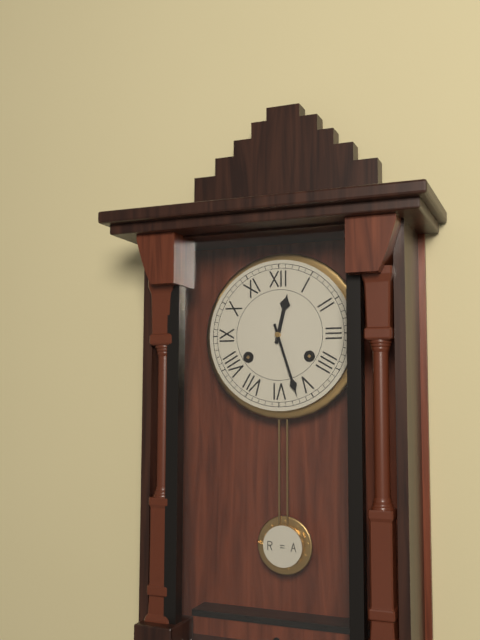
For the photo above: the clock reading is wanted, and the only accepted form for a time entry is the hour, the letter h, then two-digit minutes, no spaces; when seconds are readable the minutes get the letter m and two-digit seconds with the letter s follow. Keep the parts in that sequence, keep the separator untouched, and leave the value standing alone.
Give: 12h27
